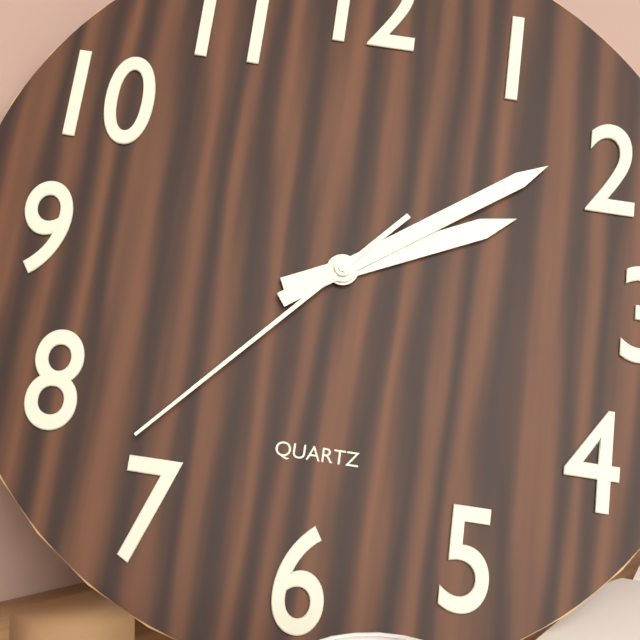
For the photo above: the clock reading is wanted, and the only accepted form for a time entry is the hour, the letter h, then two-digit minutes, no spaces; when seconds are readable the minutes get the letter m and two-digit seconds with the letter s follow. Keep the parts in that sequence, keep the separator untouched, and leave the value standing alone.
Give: 2h09m37s
